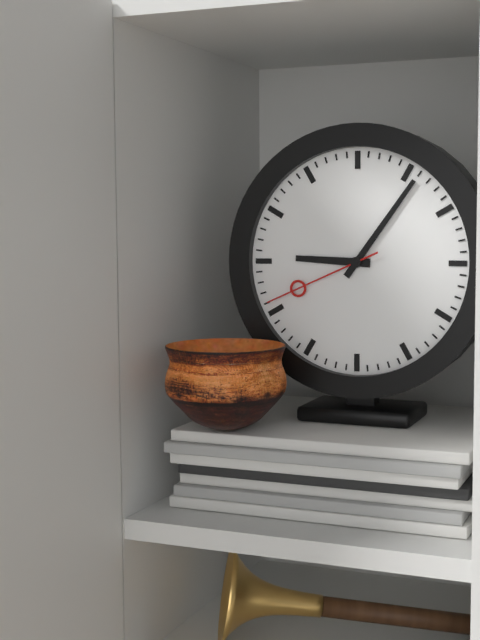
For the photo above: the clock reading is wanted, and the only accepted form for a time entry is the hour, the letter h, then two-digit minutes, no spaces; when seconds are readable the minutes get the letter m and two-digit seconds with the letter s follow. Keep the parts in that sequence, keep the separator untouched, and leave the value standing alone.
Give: 9h06m41s
